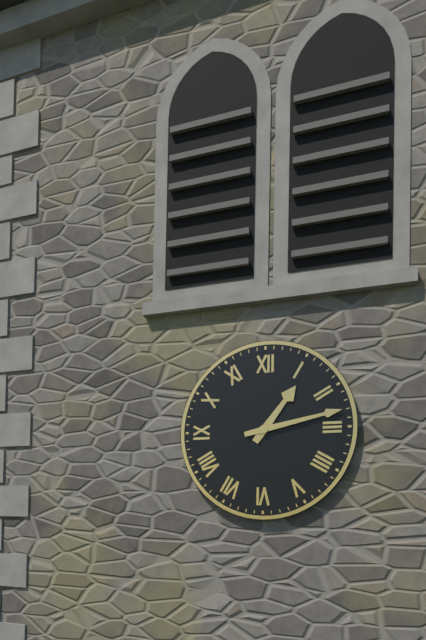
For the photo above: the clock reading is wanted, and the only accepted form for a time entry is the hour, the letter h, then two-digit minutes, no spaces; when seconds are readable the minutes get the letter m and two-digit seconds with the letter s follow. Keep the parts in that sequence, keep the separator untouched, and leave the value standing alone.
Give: 1h13
